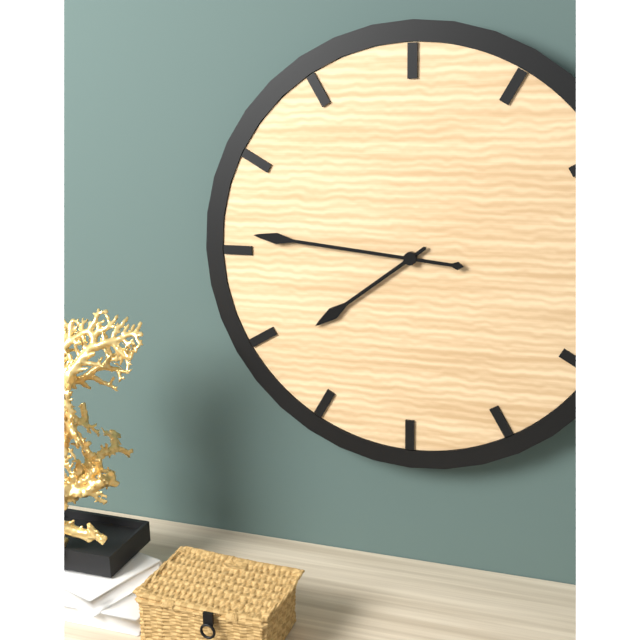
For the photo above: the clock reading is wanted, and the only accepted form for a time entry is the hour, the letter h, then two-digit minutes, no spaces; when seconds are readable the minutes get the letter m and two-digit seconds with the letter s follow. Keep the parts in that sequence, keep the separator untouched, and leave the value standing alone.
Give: 7h46
